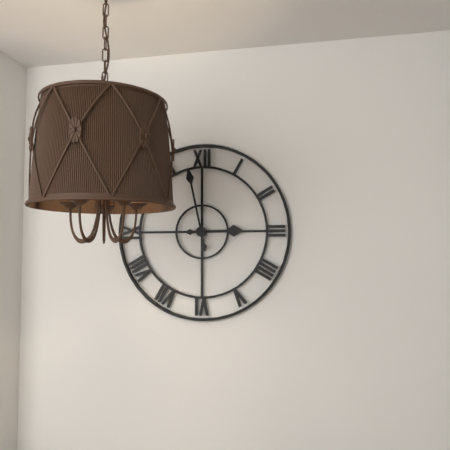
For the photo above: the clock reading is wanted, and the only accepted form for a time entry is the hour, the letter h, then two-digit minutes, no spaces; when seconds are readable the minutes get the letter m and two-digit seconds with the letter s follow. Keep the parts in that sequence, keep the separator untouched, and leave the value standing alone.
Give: 2h58
